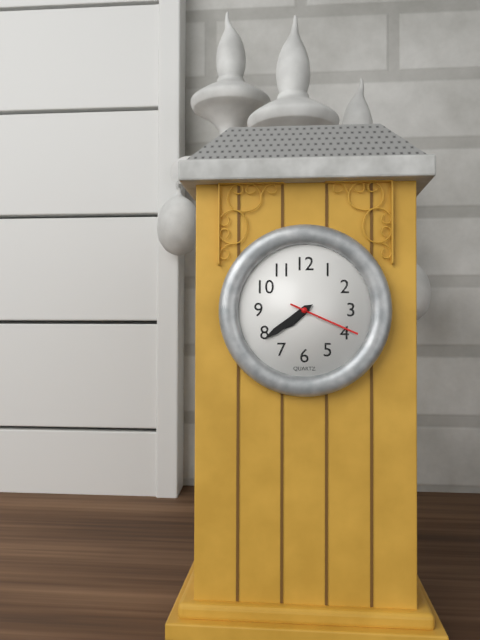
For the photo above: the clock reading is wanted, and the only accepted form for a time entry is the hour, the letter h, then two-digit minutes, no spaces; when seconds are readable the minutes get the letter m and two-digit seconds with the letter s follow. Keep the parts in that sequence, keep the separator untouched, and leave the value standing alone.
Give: 7h39m19s
